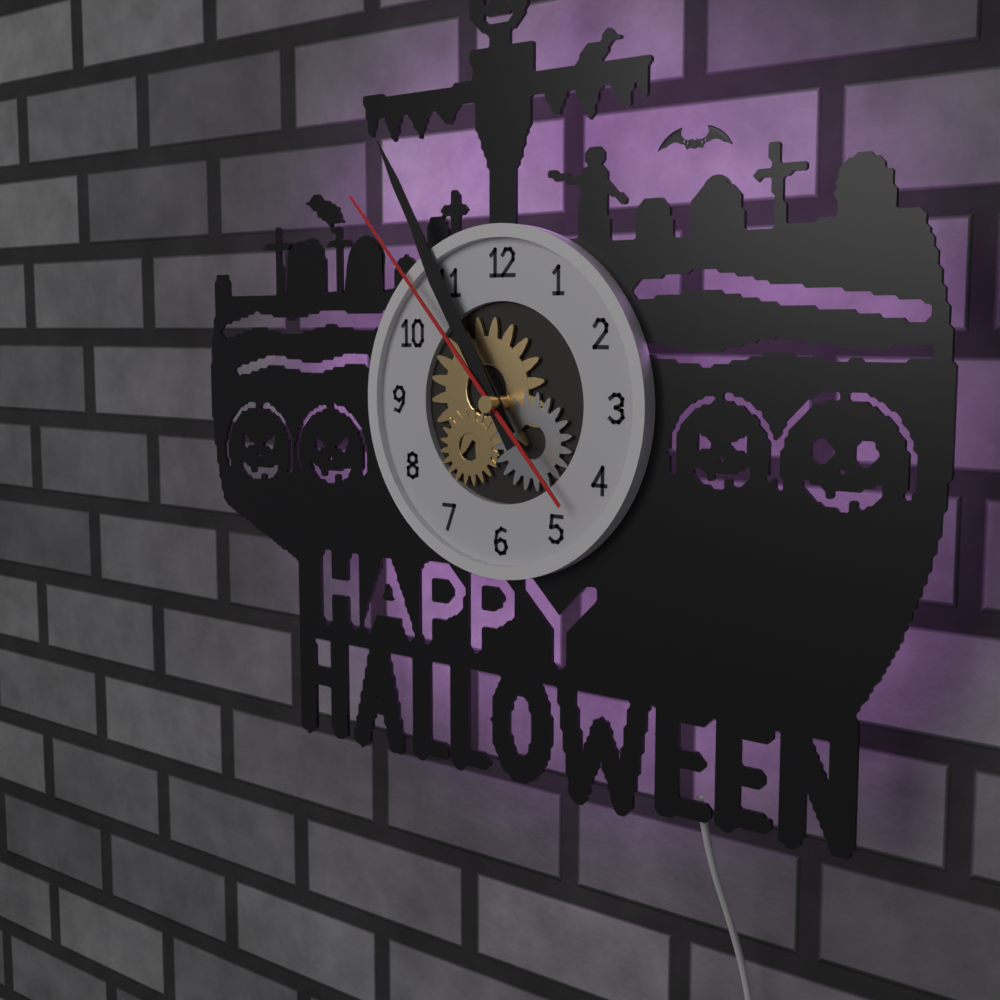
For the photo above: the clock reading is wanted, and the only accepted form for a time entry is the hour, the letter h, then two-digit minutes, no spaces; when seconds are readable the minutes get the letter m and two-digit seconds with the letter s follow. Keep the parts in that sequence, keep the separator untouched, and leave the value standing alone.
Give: 10h55m53s
